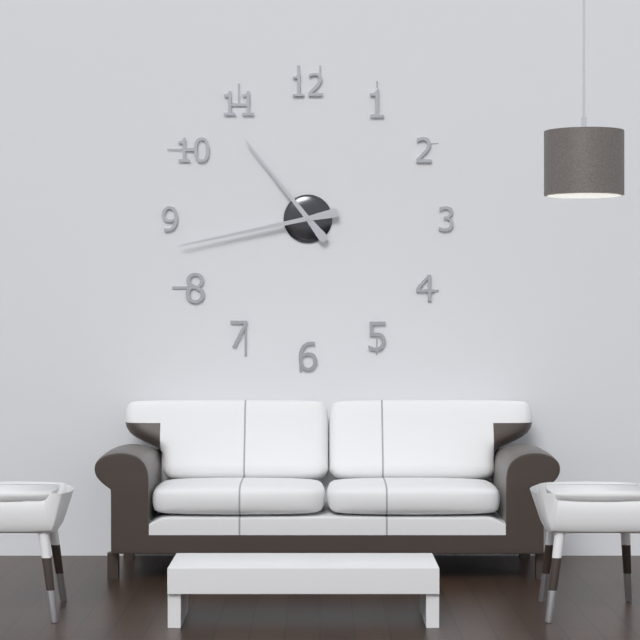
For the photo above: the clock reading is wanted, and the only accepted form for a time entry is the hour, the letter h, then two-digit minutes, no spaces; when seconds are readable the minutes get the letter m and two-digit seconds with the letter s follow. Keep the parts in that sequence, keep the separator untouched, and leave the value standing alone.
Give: 10h43
